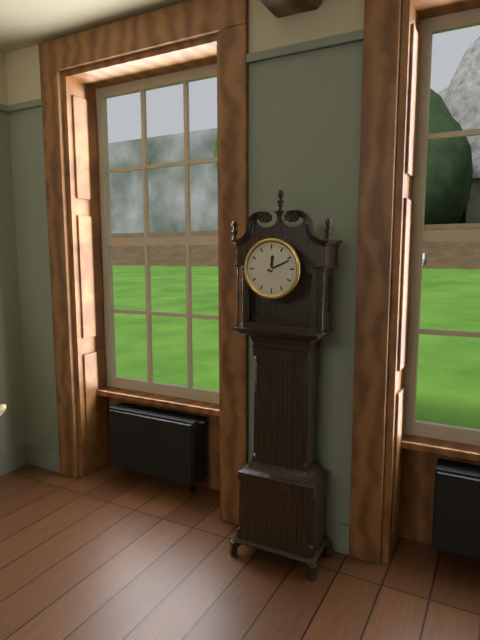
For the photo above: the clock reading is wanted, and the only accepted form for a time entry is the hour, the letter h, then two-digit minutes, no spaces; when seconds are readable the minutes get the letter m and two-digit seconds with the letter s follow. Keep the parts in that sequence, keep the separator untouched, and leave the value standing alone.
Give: 12h11
